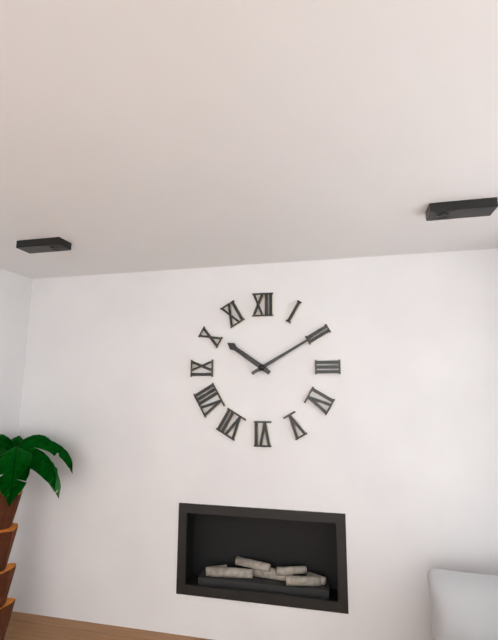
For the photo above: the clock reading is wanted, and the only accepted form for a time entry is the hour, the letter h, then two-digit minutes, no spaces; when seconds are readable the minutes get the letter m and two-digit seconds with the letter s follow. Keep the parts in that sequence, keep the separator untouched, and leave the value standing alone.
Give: 10h10
